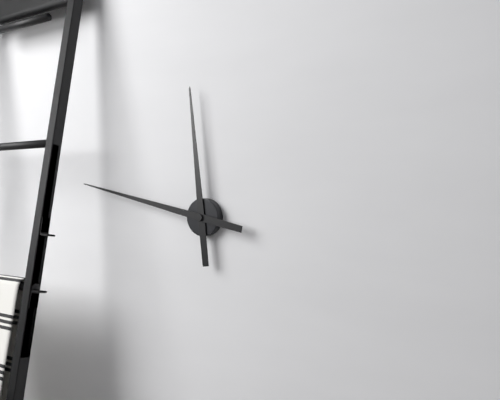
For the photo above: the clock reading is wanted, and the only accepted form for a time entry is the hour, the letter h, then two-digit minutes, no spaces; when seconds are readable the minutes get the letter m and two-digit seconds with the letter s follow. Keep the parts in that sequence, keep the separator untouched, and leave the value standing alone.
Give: 11h47
